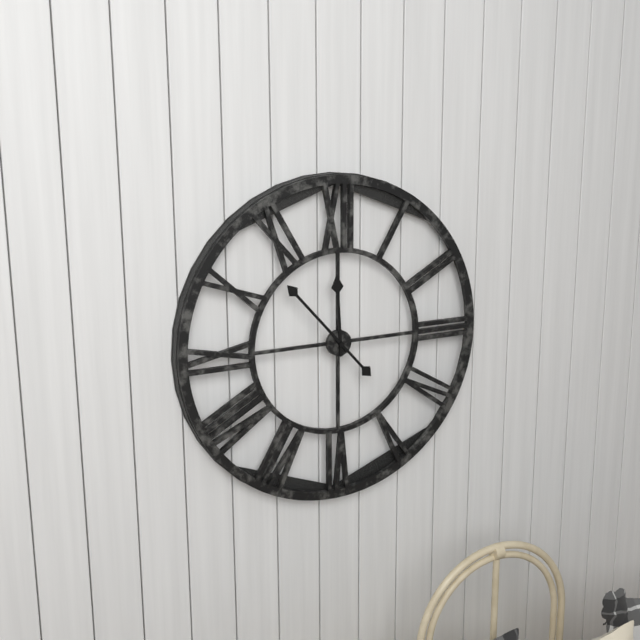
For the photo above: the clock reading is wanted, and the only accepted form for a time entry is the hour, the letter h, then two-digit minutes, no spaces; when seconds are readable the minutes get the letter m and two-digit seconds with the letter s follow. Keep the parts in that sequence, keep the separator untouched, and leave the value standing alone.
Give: 11h53
